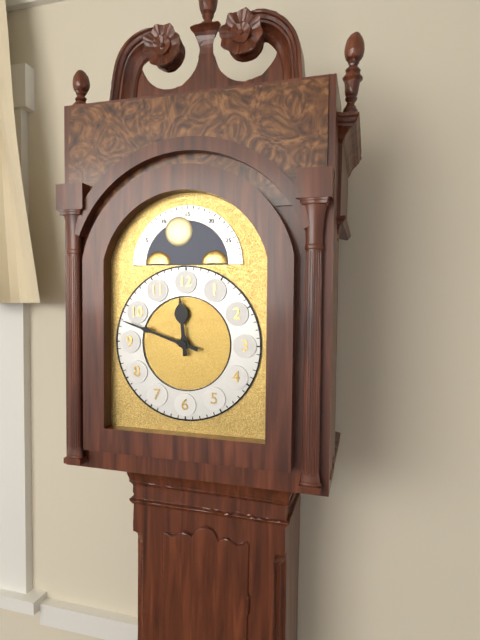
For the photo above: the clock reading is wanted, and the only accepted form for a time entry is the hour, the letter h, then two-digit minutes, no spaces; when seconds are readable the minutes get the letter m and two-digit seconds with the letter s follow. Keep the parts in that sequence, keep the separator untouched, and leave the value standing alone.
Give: 11h48
